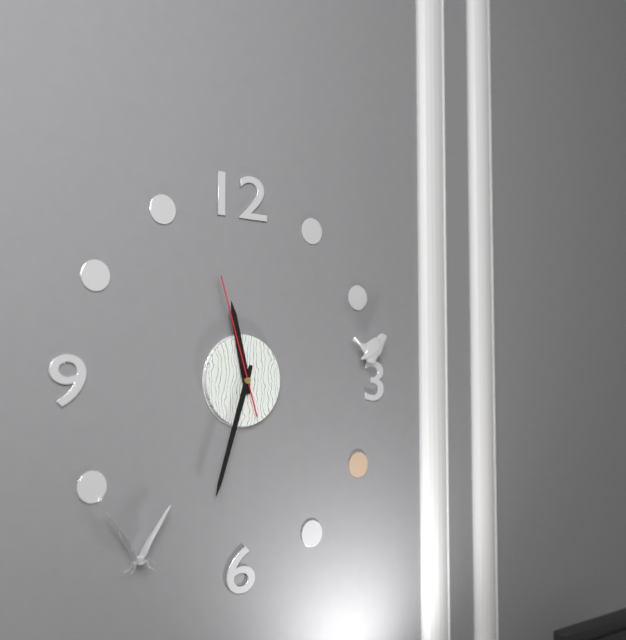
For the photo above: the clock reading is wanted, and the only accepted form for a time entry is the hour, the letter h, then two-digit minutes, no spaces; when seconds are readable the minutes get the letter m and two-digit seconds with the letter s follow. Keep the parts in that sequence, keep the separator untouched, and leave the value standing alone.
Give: 11h33m57s
